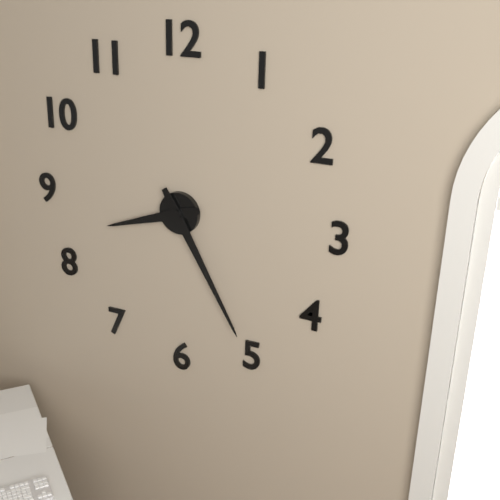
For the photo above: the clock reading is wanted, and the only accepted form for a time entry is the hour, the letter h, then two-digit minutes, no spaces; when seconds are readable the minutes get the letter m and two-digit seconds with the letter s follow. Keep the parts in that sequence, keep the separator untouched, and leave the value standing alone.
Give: 8h25
